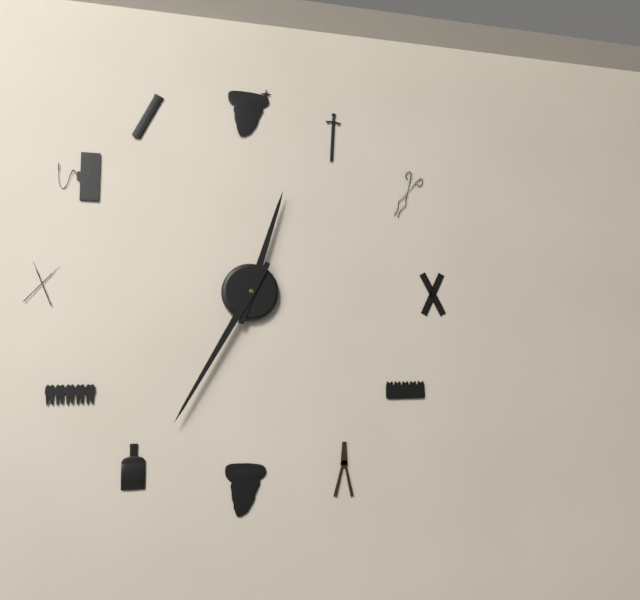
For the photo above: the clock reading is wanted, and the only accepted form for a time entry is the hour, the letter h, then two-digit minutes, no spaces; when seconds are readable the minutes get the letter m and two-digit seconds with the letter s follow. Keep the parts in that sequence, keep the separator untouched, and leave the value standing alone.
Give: 12h35
